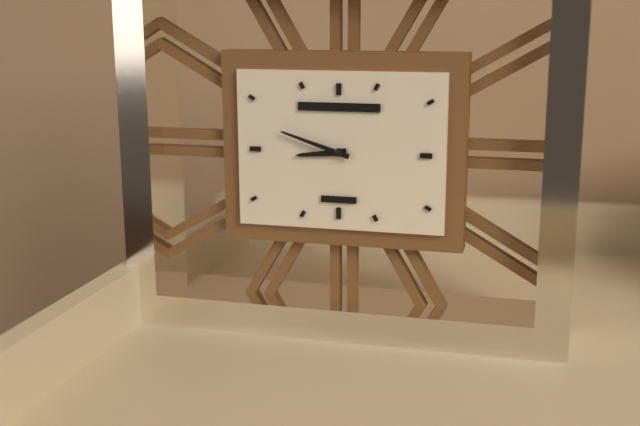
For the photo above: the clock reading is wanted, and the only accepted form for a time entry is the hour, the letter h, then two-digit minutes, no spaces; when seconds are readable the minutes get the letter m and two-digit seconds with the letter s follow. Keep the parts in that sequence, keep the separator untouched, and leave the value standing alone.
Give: 8h48
